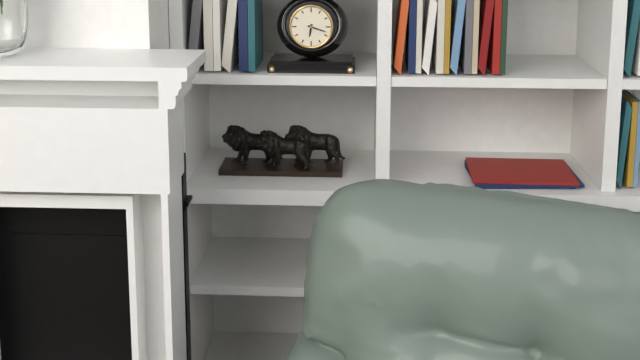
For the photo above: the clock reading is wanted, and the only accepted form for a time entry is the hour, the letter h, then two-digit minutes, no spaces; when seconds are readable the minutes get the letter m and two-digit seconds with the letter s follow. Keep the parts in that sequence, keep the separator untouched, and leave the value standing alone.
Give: 6h18
